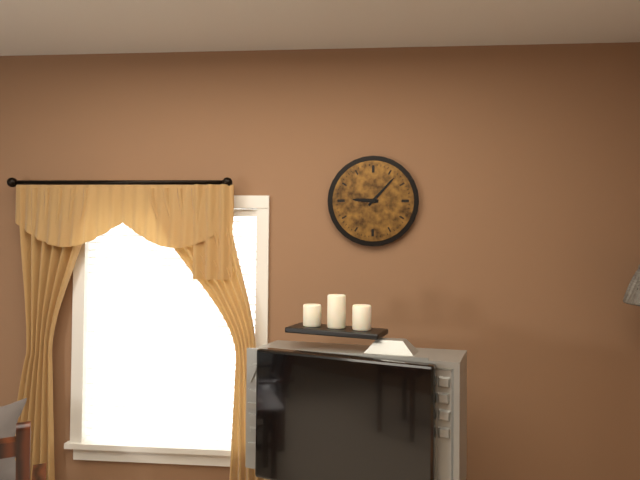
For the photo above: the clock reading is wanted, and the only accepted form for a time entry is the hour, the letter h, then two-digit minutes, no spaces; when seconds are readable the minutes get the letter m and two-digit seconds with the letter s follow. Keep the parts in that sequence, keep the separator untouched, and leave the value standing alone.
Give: 9h07
